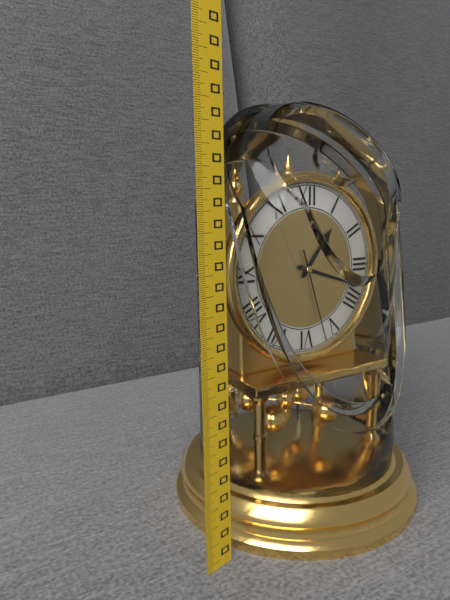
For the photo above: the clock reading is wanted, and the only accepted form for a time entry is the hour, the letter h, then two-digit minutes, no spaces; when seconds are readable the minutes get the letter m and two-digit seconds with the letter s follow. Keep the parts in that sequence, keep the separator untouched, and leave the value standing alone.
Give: 1h18m27s
